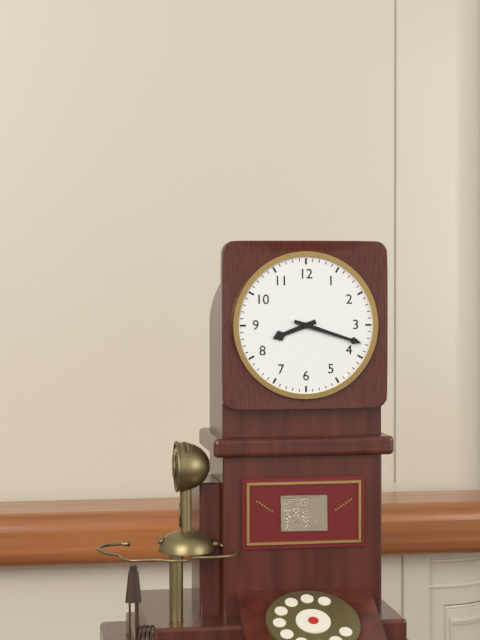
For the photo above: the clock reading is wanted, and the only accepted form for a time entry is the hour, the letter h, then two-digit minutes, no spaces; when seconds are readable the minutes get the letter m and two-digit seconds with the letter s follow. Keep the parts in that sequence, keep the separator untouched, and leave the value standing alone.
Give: 8h18
